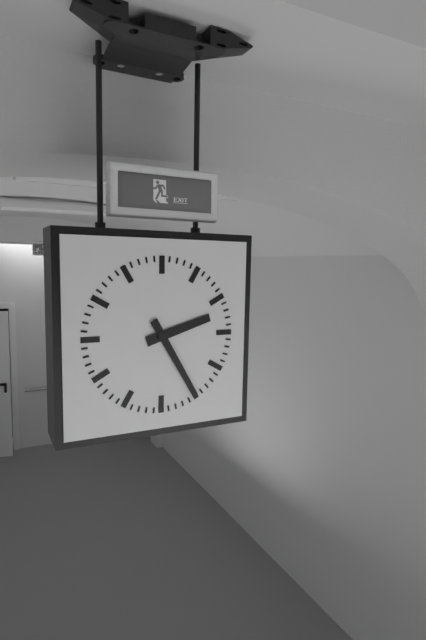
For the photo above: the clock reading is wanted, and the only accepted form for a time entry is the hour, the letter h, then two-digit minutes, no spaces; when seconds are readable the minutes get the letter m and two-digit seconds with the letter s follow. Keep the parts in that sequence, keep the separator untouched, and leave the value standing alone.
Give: 2h25
